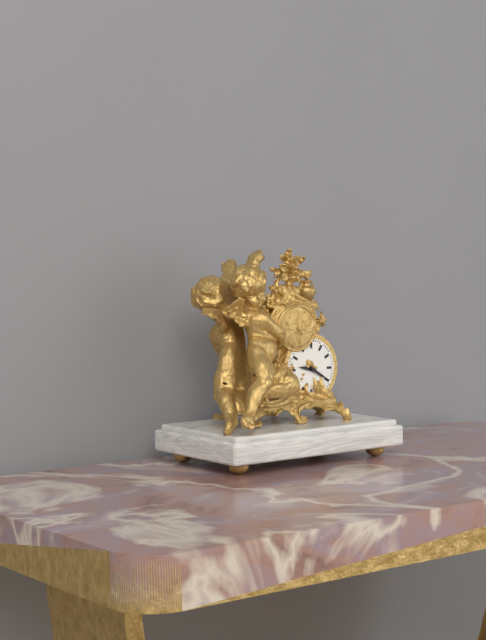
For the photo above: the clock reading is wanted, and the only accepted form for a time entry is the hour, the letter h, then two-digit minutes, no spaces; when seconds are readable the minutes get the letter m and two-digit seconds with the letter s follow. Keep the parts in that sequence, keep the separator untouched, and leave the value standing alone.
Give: 9h20
